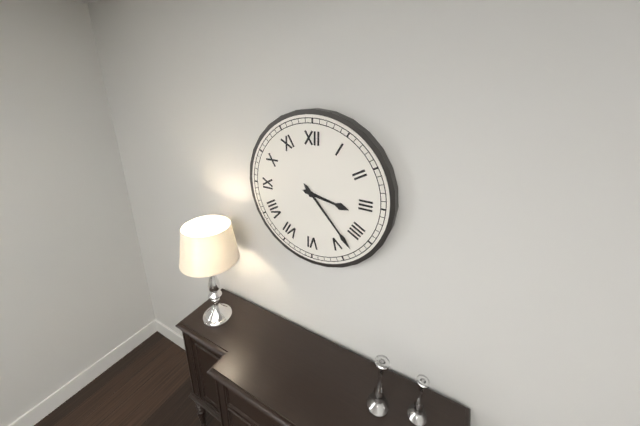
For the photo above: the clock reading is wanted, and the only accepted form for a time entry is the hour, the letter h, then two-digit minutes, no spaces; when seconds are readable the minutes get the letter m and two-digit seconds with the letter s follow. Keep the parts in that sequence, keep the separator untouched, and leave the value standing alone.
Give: 3h23
